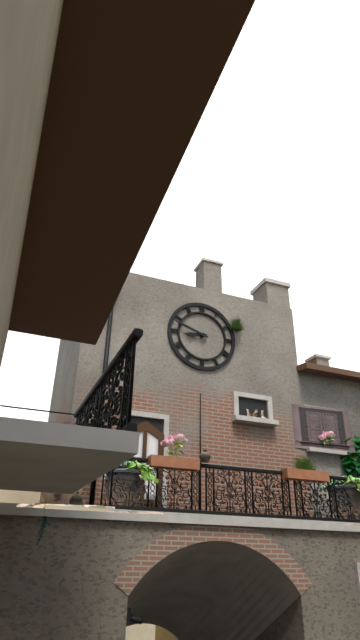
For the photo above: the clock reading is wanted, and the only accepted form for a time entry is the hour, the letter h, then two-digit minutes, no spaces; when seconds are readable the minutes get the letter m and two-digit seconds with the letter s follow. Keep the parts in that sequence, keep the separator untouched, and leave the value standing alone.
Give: 8h48
